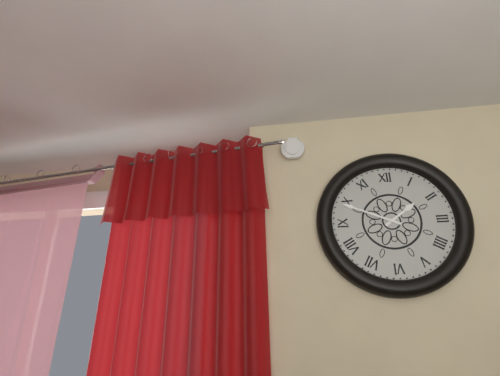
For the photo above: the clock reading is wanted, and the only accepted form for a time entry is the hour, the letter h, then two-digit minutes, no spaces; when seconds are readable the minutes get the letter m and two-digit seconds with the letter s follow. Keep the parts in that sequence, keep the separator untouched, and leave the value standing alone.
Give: 1h49
